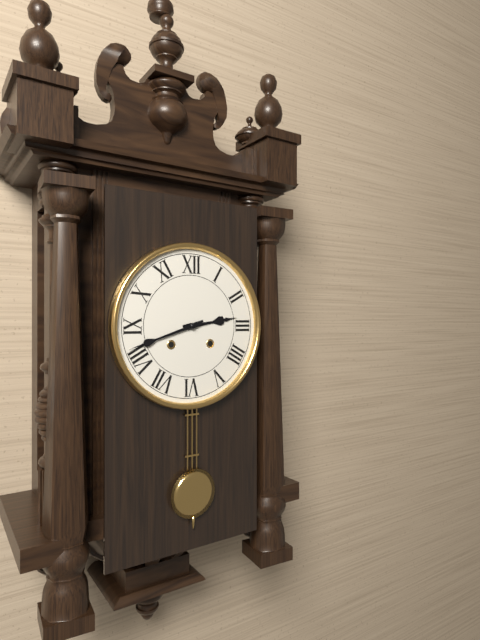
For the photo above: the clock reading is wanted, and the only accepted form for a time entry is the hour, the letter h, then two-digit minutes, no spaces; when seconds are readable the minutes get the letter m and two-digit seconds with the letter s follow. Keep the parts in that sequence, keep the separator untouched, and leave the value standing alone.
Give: 2h42
